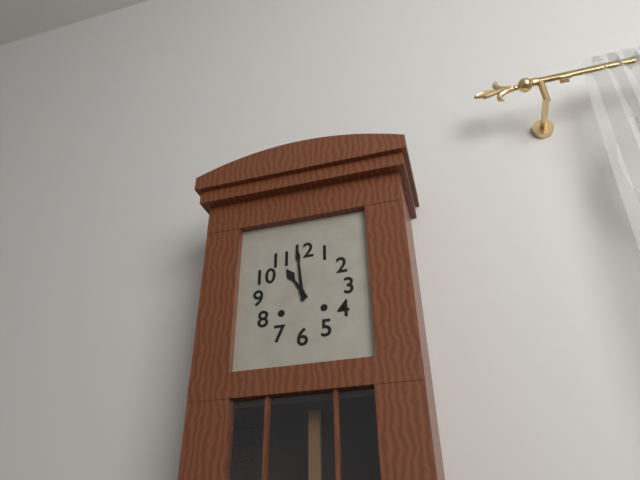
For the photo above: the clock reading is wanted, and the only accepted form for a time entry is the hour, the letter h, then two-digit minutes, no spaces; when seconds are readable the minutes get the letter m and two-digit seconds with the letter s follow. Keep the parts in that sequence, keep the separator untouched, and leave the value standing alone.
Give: 10h59
